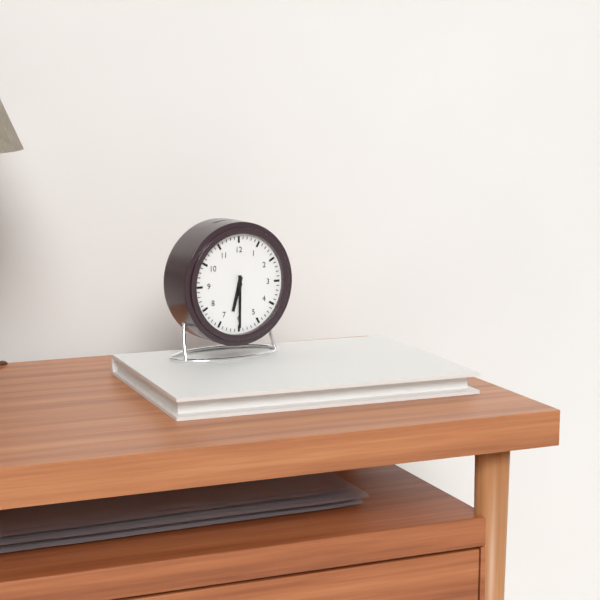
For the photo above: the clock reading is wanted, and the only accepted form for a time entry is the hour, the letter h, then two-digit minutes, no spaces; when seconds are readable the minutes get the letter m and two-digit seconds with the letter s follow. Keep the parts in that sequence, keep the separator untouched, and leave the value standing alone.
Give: 6h30
